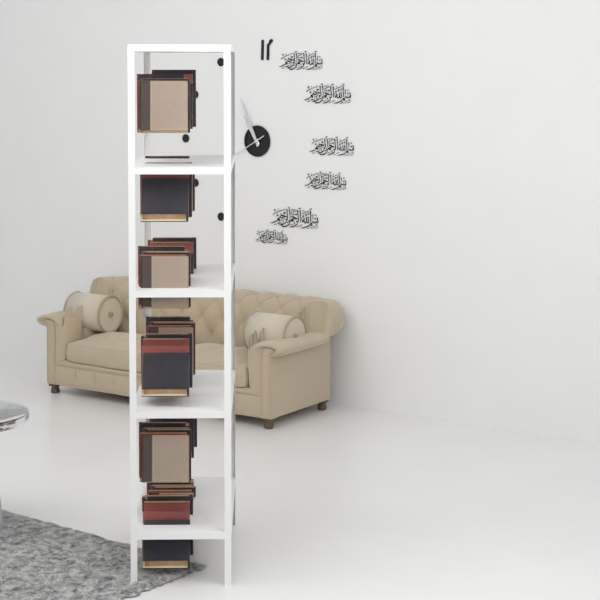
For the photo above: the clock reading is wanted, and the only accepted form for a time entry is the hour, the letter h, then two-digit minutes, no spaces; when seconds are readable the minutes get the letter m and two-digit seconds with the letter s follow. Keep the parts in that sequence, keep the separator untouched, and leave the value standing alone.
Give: 10h56
